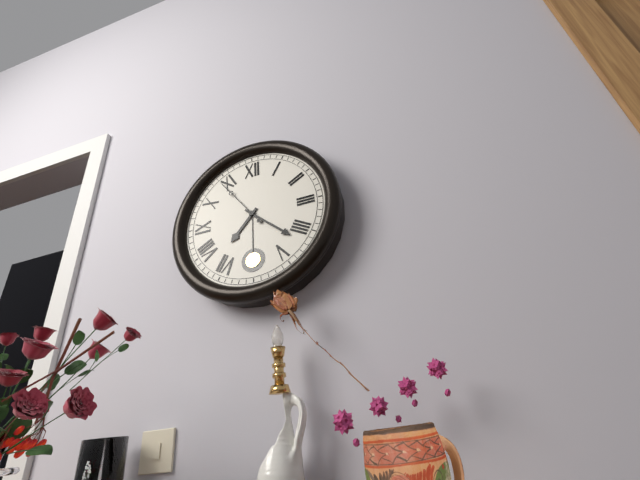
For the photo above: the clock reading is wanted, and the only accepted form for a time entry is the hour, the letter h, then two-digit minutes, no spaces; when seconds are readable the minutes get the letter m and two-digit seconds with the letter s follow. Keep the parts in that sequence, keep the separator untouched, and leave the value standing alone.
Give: 7h22m54s
